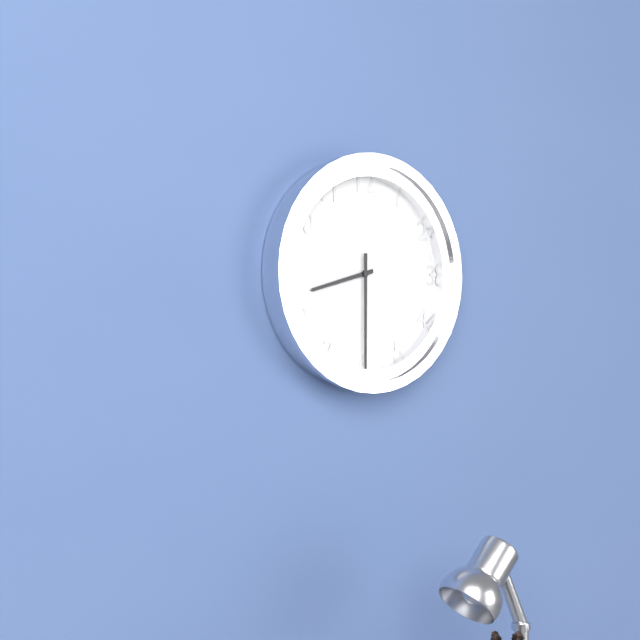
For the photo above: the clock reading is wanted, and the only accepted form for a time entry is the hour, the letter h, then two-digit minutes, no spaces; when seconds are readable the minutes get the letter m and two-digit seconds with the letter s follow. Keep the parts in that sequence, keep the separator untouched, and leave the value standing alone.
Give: 8h30
